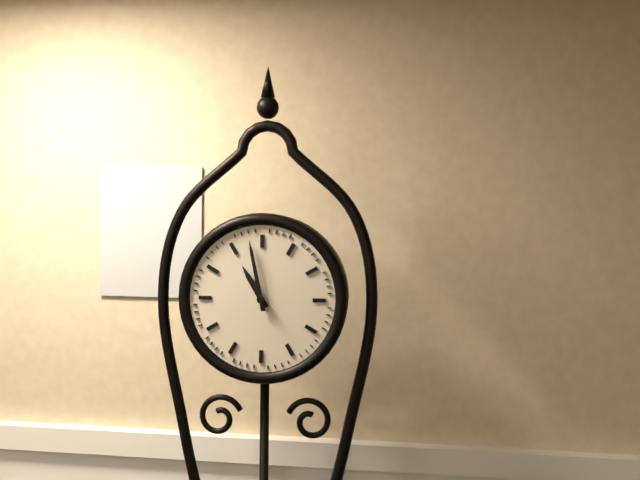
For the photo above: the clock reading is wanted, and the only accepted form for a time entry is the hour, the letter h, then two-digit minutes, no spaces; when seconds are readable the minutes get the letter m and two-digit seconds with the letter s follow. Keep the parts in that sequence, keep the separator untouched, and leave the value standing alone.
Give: 10h58
